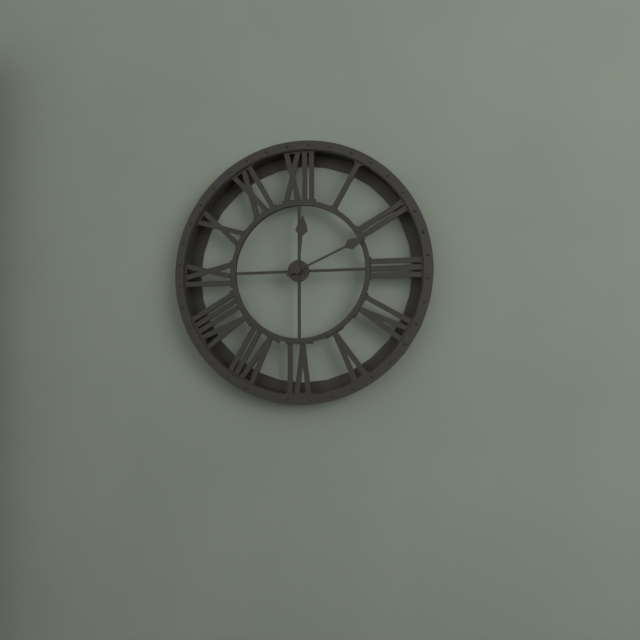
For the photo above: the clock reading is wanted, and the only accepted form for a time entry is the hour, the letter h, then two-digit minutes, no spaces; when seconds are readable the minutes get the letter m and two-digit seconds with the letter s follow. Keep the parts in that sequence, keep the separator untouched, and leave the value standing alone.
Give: 12h11
